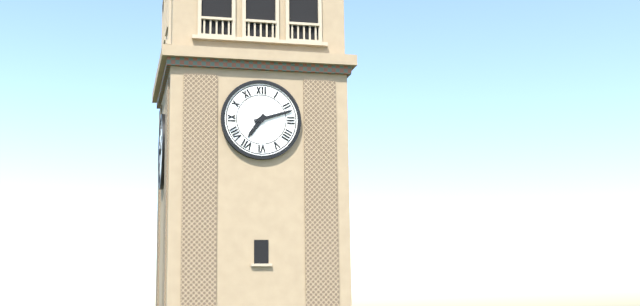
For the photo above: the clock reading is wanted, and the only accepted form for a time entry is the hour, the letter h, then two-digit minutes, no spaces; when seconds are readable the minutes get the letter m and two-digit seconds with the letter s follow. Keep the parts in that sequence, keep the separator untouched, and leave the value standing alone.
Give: 7h12
